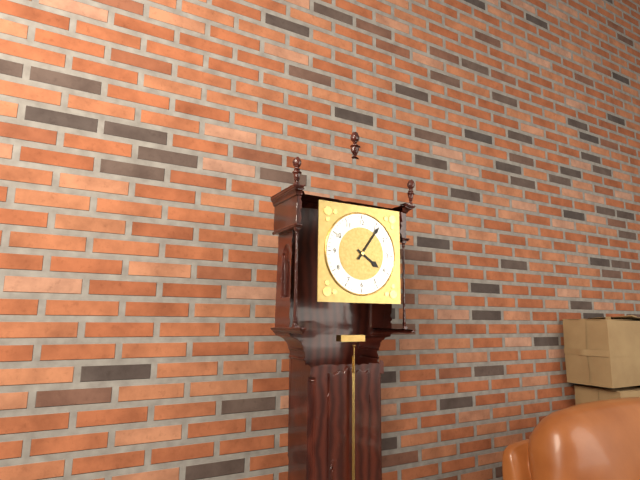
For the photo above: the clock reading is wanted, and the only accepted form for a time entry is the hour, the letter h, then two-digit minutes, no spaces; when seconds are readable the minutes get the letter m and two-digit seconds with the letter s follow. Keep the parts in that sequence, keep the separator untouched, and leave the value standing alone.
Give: 4h06
